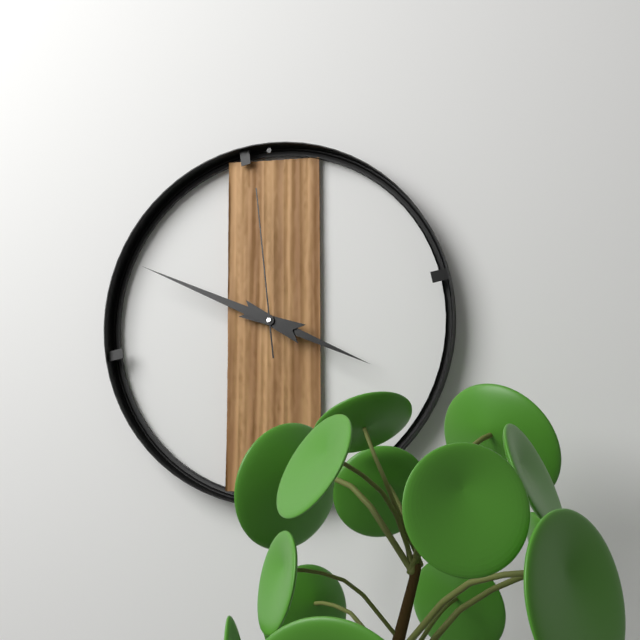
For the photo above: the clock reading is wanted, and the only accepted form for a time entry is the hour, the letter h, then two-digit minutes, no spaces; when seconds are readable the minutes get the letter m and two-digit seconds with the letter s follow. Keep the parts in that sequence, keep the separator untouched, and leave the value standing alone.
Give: 3h49m59s
